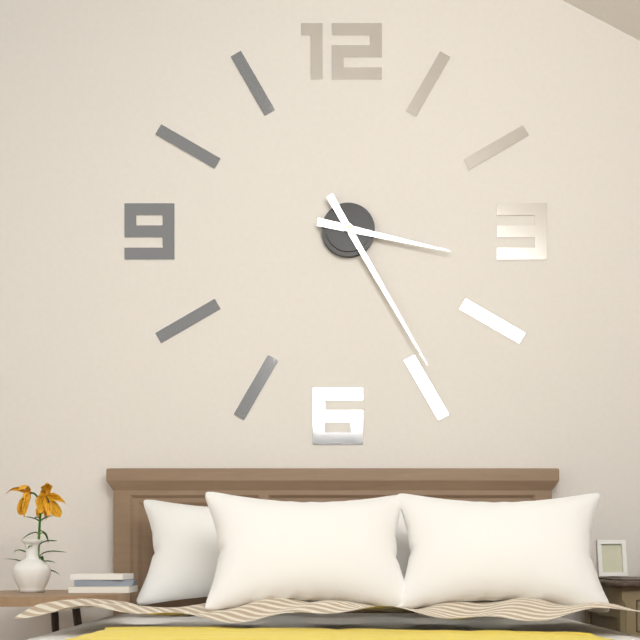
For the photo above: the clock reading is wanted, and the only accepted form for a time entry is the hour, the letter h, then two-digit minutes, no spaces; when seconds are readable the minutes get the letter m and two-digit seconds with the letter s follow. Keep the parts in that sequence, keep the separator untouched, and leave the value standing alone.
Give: 3h25
